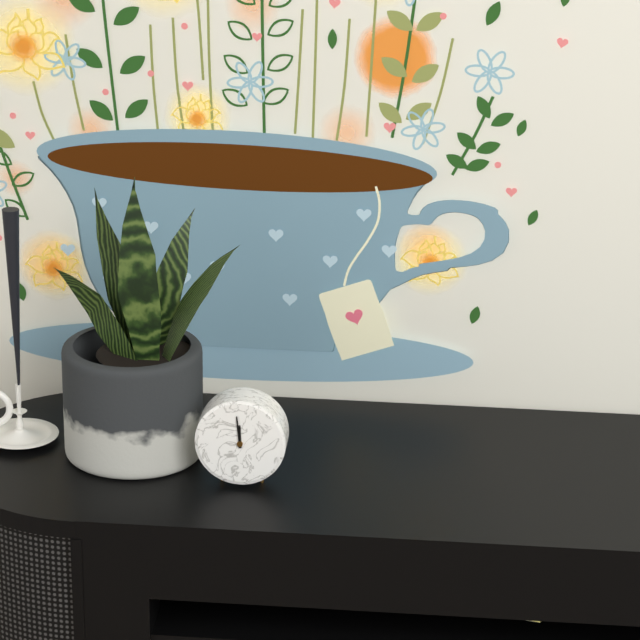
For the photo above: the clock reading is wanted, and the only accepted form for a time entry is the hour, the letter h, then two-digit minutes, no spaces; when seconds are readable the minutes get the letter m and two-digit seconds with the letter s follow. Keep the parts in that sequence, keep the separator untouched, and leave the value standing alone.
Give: 11h59
